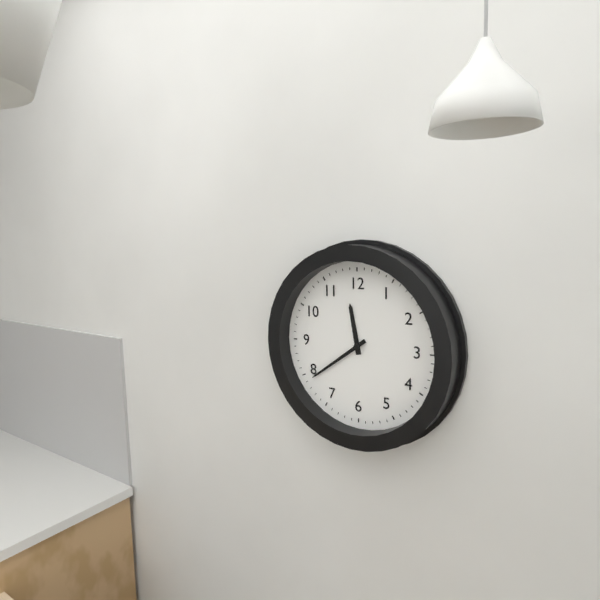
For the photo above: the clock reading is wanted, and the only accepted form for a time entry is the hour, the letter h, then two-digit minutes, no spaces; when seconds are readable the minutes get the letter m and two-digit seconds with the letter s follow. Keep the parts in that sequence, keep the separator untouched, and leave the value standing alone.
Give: 11h39
